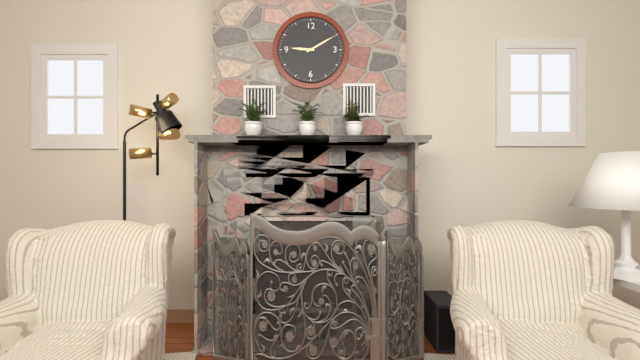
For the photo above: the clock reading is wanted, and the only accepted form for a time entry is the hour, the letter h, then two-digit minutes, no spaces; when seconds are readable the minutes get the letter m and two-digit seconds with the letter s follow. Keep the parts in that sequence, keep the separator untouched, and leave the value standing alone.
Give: 9h10
